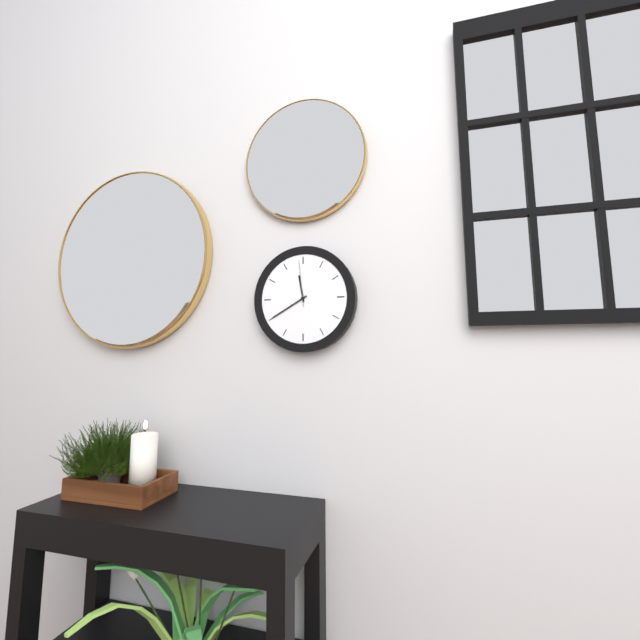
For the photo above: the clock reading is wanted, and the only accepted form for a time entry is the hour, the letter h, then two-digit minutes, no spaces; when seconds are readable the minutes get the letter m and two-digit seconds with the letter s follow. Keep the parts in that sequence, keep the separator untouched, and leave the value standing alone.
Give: 11h40
